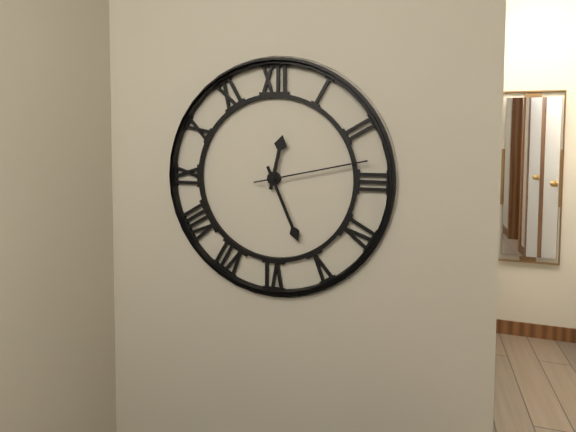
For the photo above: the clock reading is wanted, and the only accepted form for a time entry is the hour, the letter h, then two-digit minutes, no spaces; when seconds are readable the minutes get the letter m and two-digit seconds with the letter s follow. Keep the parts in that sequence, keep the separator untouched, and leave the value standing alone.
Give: 12h26m13s
